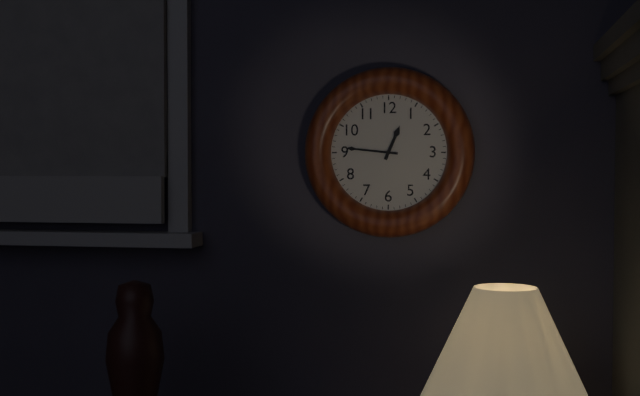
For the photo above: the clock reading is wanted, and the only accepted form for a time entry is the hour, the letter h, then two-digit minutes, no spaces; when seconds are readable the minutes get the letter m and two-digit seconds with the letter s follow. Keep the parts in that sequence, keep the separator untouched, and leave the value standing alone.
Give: 12h46
